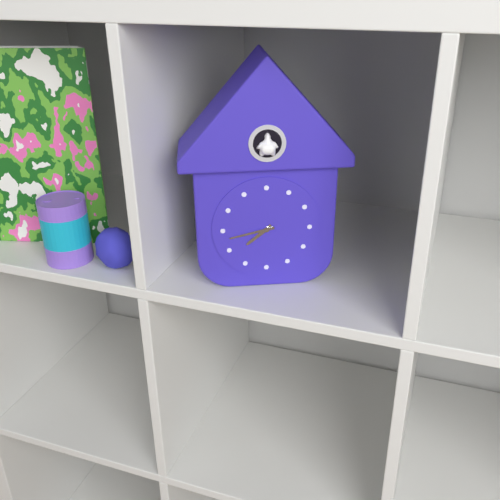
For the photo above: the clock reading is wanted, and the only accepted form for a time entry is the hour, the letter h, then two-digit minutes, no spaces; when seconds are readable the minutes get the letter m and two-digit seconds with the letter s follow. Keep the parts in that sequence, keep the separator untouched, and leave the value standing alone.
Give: 7h43
